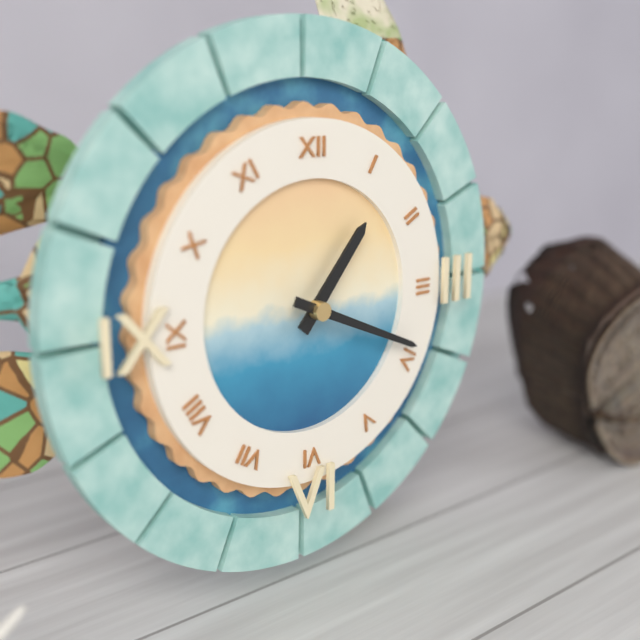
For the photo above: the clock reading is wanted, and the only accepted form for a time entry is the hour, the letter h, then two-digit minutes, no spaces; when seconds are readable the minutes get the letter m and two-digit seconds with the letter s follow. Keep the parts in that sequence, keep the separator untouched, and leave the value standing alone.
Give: 1h19
